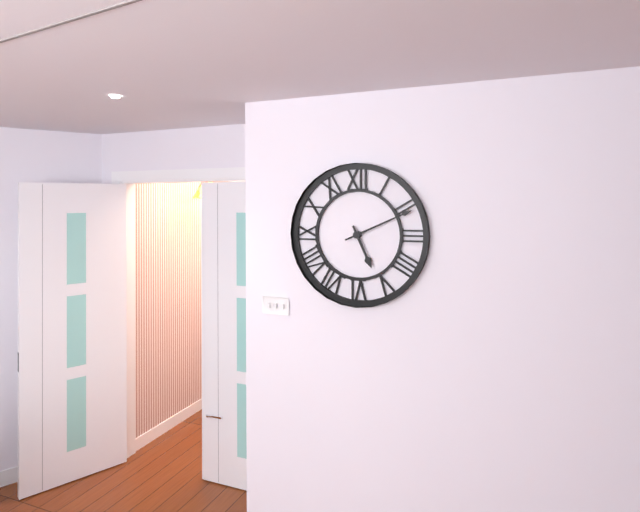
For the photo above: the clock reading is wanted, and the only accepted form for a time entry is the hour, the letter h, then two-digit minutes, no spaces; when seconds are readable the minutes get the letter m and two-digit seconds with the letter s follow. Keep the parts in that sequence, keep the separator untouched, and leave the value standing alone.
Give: 5h11
